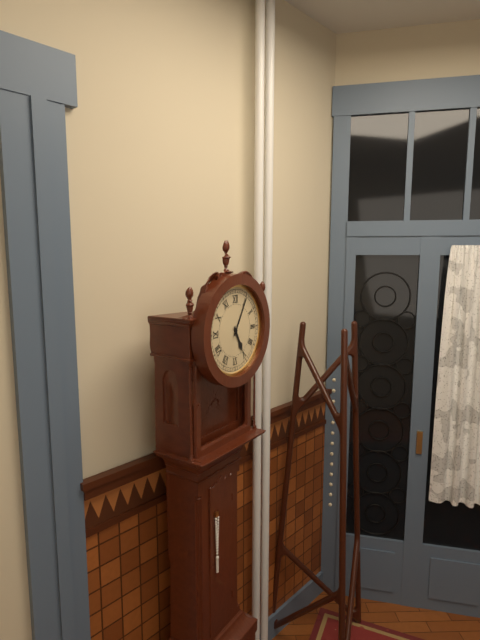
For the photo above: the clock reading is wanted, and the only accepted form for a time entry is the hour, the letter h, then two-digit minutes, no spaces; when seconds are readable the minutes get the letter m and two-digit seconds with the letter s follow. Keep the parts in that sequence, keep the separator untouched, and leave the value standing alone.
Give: 5h05
